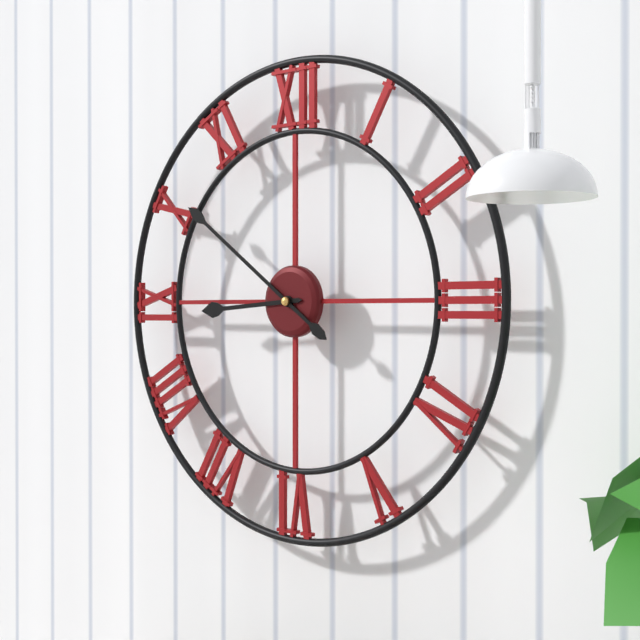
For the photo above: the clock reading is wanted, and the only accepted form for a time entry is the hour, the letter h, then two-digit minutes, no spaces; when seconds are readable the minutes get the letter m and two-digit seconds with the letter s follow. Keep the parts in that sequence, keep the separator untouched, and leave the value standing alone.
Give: 8h51
